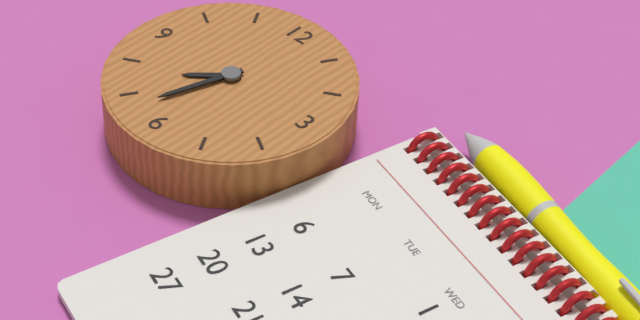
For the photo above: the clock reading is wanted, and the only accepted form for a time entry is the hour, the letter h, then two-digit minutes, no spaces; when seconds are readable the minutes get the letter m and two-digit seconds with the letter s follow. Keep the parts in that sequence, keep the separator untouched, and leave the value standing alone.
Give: 7h33
